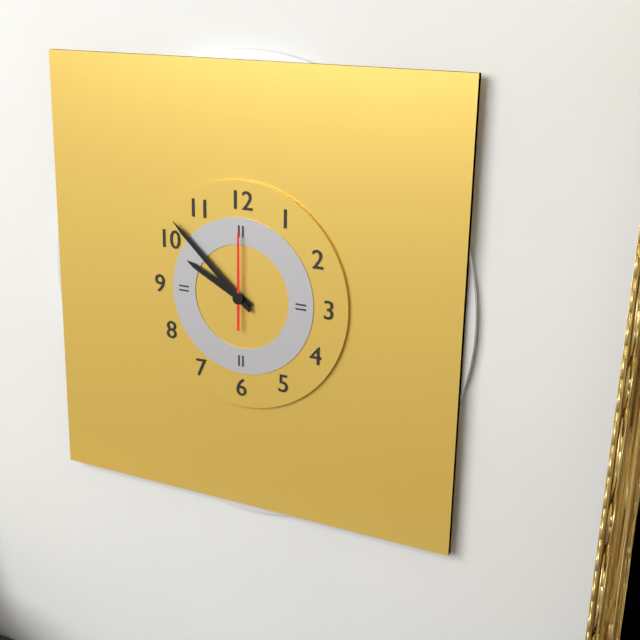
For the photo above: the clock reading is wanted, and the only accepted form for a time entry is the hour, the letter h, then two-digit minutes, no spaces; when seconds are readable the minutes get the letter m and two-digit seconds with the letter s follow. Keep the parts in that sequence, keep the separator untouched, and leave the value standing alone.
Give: 9h52m00s
